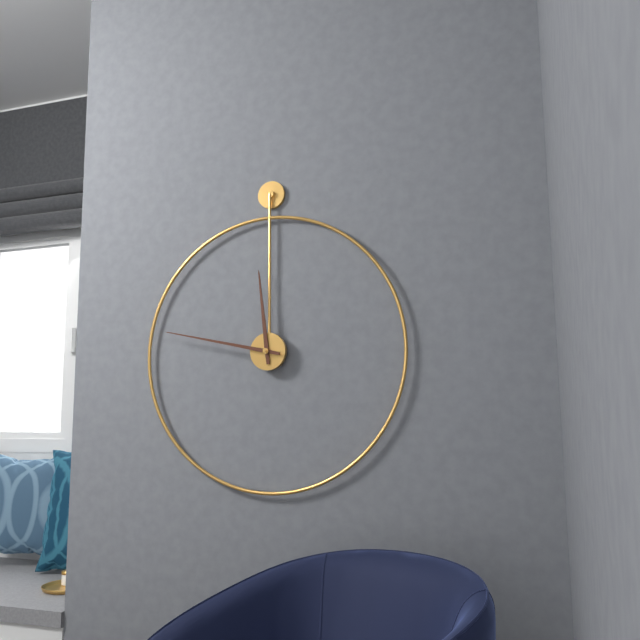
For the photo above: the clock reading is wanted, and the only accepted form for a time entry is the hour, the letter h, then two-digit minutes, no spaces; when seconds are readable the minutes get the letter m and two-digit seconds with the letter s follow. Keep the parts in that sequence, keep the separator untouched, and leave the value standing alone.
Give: 11h47
